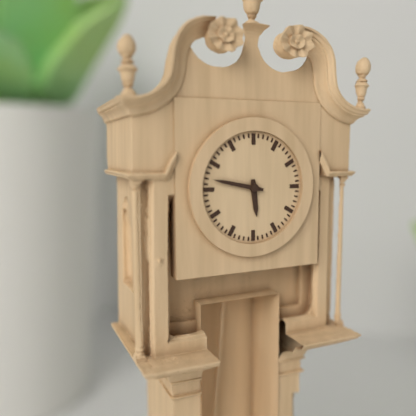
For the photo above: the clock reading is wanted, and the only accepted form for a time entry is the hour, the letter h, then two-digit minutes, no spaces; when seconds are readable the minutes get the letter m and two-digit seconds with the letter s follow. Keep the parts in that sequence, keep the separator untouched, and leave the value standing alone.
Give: 5h47
